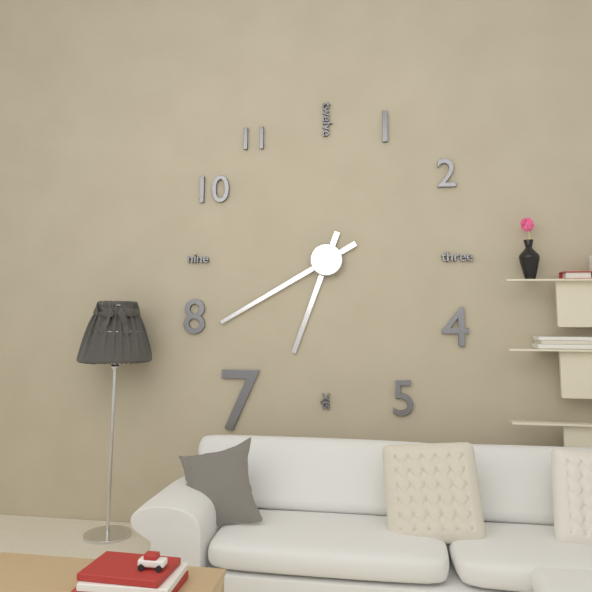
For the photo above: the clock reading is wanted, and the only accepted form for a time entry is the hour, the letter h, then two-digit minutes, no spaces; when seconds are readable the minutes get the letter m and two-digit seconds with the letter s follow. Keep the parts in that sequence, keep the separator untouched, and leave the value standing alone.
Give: 6h40
